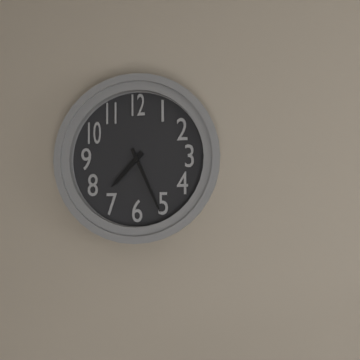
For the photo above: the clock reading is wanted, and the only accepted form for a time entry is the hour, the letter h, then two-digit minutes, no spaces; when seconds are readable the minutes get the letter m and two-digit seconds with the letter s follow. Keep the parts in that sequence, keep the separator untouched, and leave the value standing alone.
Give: 7h26
